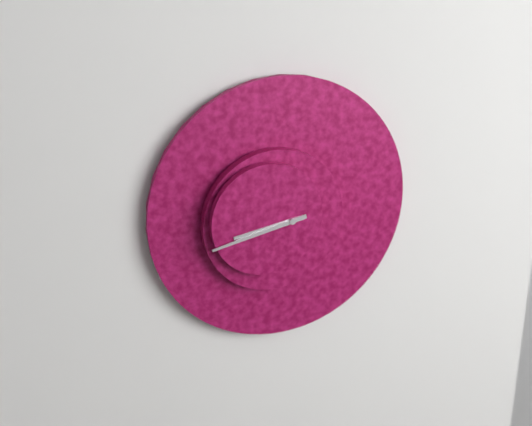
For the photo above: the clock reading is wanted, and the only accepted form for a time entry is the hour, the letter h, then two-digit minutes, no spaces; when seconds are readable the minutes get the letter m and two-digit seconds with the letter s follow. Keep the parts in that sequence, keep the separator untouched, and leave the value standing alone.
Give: 8h43
